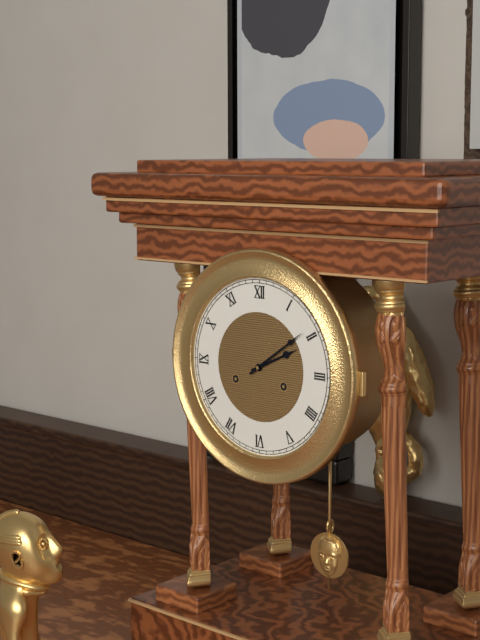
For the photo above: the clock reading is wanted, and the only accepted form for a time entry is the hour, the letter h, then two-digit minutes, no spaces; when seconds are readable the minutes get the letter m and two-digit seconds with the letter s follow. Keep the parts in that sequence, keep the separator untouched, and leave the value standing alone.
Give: 2h09
